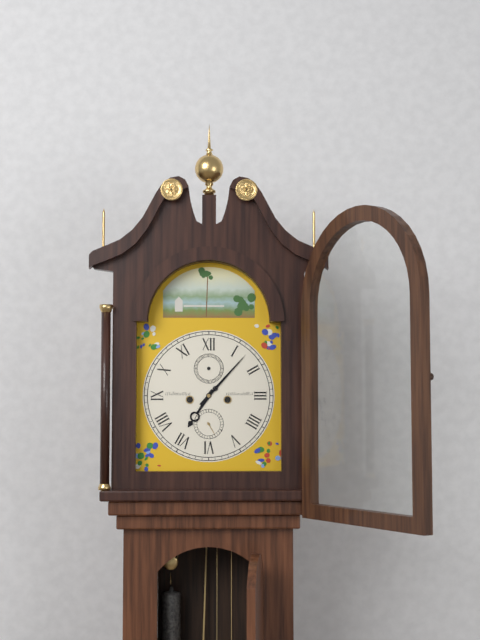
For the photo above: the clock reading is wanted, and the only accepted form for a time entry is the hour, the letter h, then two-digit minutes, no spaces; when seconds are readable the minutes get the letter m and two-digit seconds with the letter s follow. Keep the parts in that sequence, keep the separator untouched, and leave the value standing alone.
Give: 7h07
